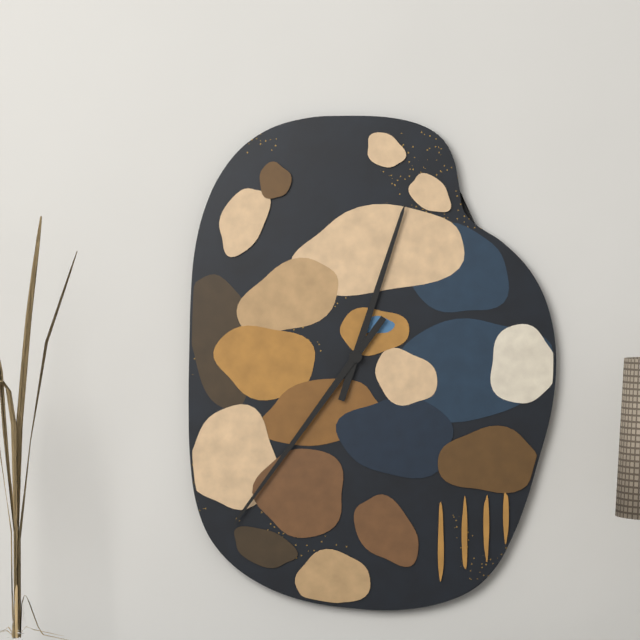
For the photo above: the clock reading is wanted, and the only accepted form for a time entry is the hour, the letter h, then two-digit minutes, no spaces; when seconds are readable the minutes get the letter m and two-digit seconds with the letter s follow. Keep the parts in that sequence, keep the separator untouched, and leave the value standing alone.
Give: 12h36
